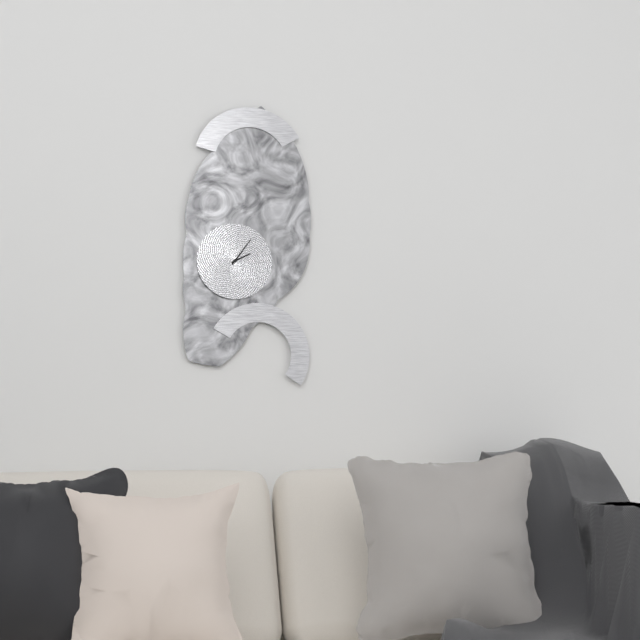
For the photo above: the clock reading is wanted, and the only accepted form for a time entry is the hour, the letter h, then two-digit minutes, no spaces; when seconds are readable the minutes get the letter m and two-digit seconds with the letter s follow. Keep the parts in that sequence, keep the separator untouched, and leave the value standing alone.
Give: 2h06
